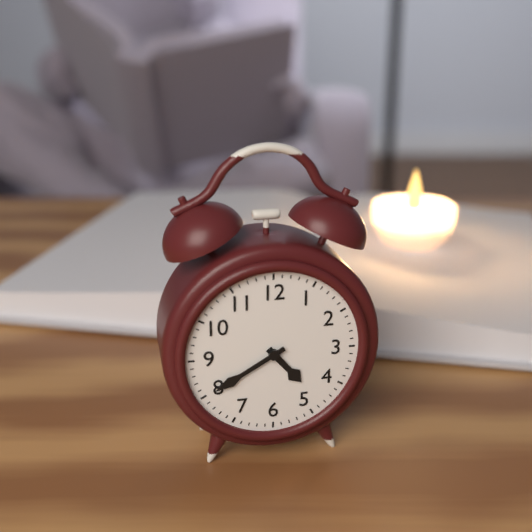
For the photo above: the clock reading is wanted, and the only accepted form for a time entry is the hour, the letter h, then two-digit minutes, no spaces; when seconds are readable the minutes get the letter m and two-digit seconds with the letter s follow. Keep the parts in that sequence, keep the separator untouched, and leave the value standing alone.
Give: 4h40
